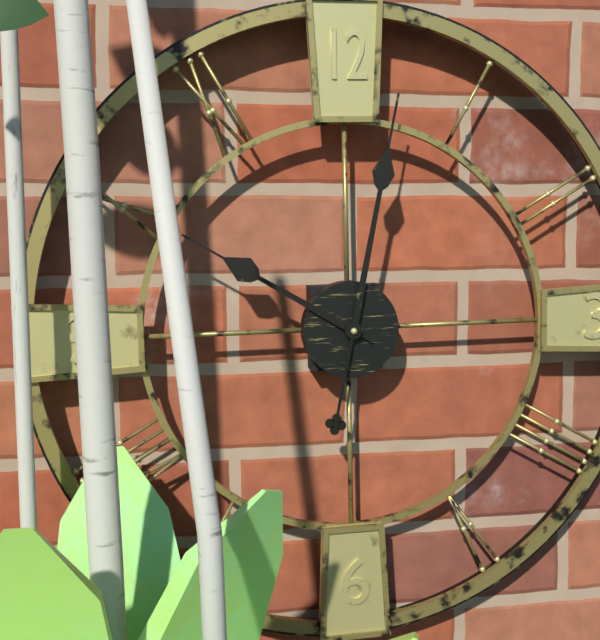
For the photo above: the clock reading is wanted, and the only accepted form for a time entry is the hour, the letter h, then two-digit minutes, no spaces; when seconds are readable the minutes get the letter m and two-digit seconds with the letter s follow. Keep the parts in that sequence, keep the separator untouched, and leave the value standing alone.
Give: 10h02
